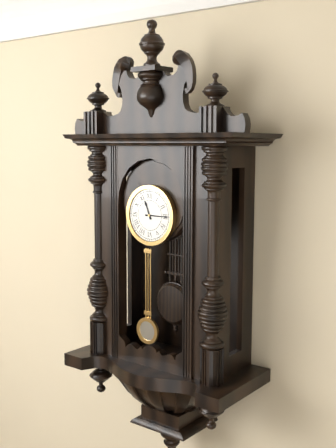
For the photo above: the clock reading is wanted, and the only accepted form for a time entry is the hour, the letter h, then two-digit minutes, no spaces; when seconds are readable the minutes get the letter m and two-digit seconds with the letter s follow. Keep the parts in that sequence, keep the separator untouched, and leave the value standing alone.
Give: 11h15
